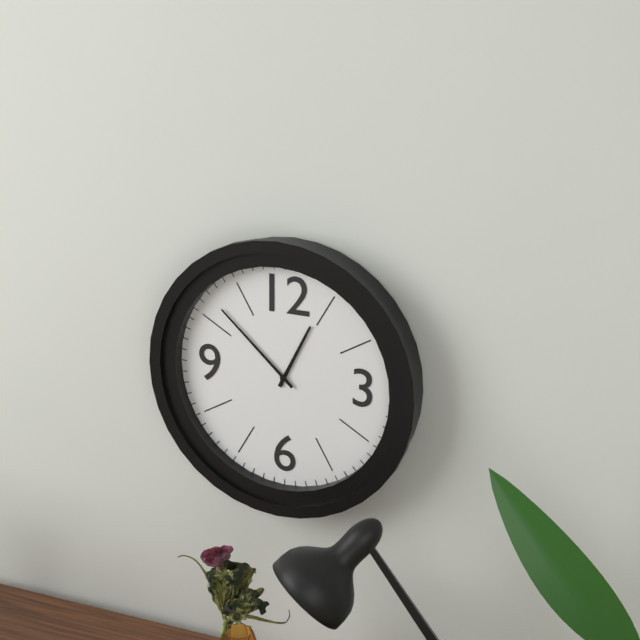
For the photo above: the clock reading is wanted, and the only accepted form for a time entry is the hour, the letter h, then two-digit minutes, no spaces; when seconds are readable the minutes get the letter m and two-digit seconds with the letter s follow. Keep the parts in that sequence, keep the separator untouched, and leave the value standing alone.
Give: 12h52
